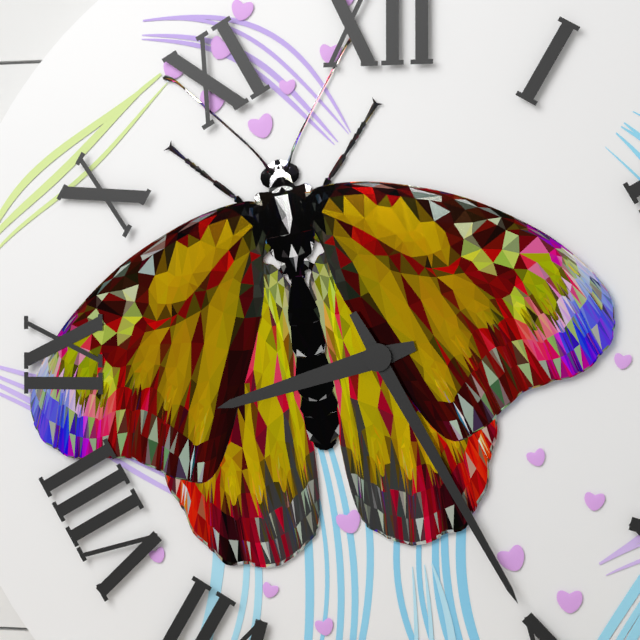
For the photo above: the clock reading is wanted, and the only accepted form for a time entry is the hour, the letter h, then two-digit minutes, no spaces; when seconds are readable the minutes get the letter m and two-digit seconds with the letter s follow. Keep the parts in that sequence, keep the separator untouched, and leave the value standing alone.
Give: 8h25
